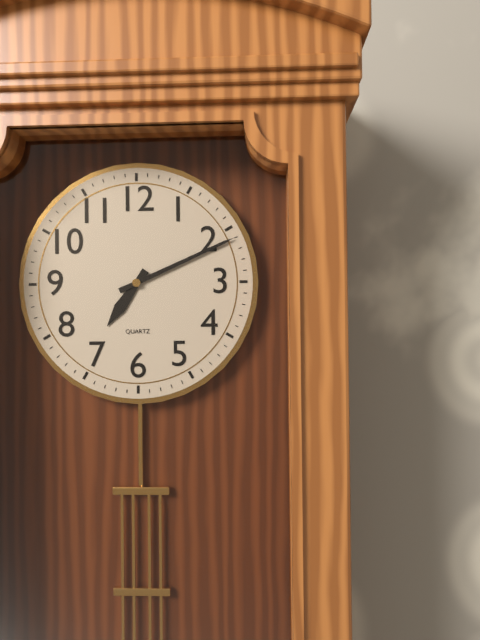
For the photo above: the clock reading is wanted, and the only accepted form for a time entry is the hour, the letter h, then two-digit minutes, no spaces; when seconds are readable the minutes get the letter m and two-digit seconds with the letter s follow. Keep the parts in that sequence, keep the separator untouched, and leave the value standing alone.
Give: 7h11
